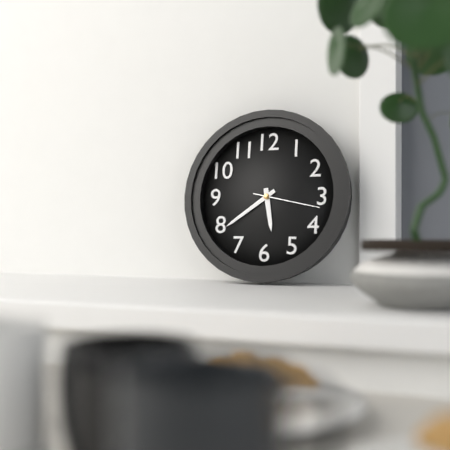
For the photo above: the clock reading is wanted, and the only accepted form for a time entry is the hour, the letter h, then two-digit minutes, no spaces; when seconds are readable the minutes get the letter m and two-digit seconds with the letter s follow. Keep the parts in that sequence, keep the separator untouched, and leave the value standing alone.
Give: 5h39m17s
